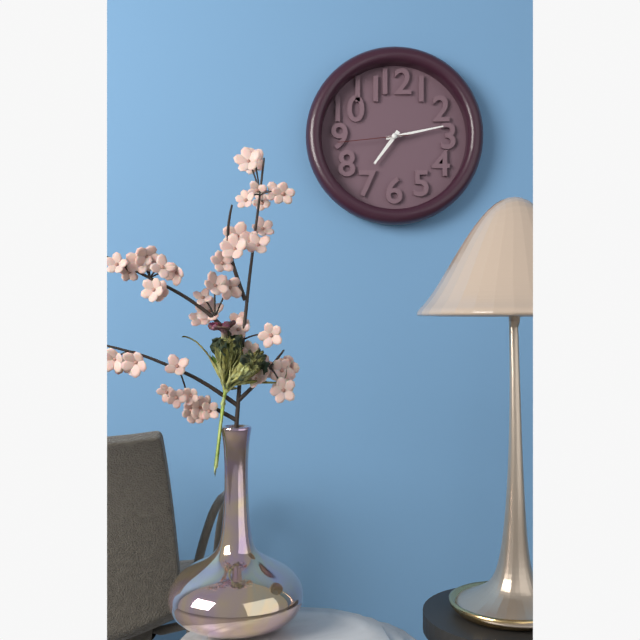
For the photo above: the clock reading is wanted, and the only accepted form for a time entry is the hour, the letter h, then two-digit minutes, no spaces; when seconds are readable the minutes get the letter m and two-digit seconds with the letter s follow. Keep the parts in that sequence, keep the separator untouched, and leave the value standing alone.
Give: 7h13m44s
